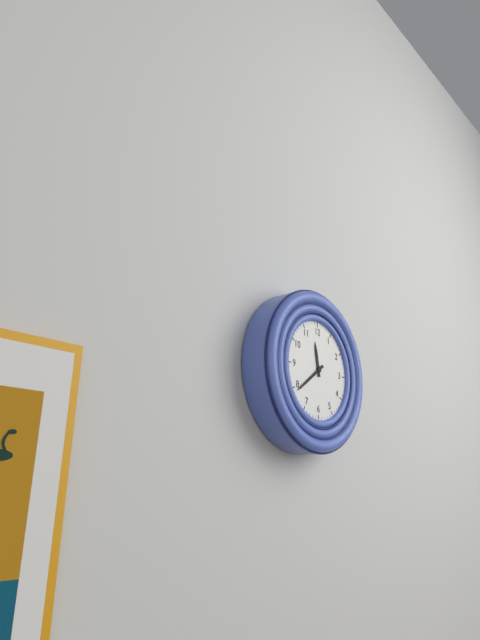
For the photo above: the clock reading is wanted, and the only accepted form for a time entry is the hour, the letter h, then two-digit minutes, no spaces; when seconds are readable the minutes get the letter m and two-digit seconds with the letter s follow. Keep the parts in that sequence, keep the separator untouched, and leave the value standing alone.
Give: 11h39
